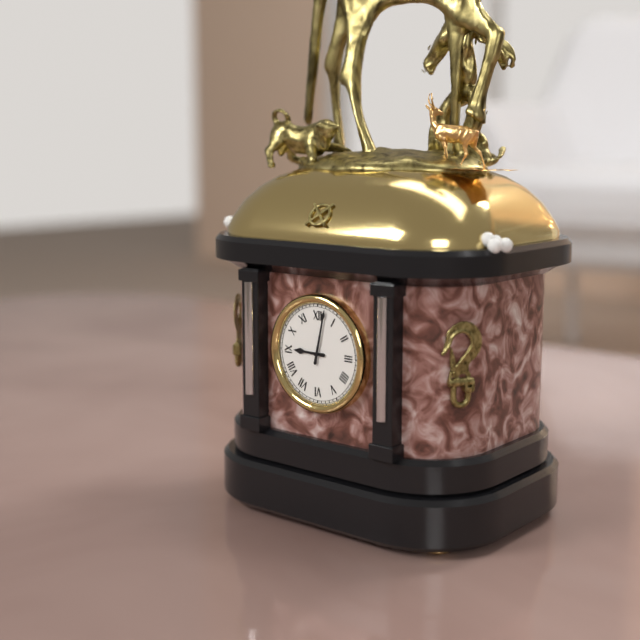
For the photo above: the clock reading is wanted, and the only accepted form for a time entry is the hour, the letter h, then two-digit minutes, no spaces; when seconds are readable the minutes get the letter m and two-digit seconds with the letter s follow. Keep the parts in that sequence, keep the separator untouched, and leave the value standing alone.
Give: 9h02
